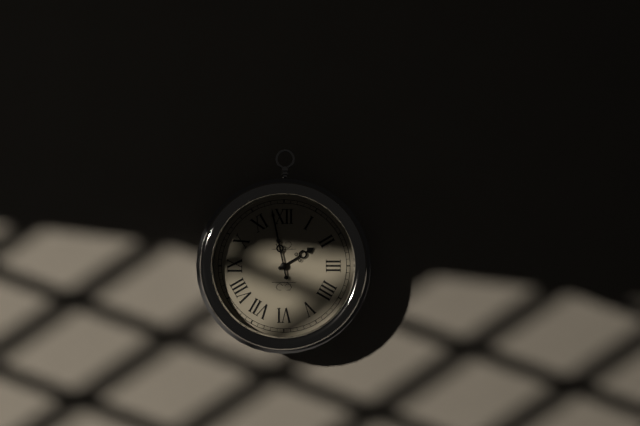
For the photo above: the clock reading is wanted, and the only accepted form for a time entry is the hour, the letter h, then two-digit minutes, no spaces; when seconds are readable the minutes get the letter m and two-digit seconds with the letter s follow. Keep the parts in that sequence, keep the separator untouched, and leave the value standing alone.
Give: 1h58
